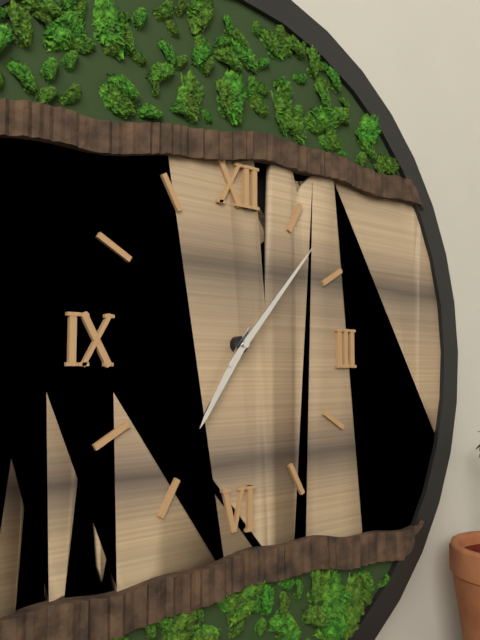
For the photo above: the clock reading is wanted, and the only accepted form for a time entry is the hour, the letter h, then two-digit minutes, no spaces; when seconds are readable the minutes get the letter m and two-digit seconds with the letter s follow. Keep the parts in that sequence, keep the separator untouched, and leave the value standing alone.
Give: 7h07
